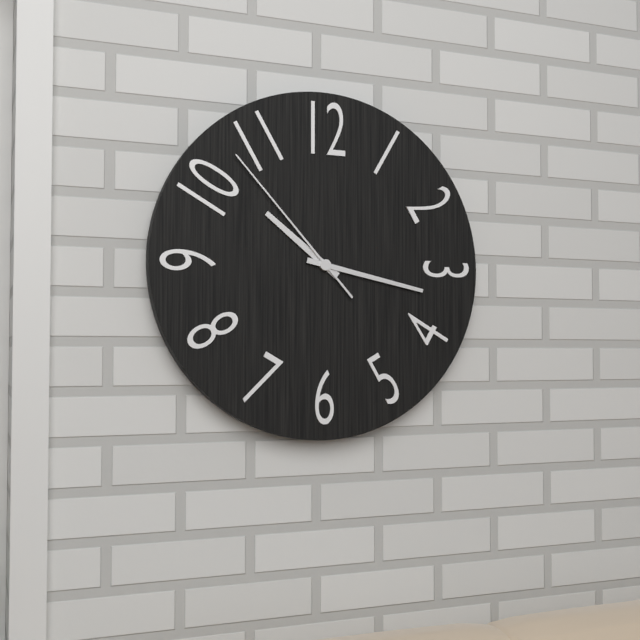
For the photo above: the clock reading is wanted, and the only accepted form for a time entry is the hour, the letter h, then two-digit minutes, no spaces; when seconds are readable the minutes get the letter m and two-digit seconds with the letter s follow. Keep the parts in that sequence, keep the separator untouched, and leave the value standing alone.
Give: 10h17m53s
